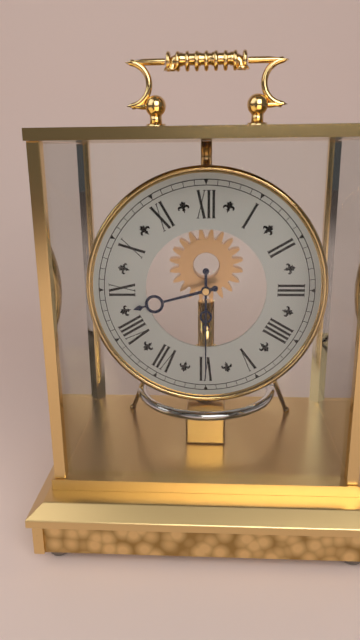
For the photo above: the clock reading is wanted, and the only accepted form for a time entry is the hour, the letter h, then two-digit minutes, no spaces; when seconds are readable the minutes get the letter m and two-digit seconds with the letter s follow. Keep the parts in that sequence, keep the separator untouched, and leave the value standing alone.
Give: 8h30
